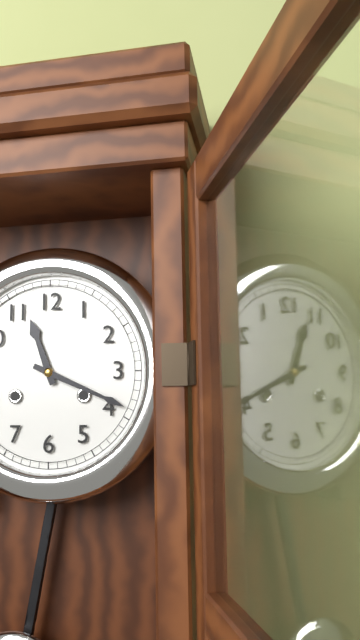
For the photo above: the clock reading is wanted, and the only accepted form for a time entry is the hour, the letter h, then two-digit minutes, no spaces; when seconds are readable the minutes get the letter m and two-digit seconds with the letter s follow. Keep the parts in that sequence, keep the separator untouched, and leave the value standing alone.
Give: 11h19
